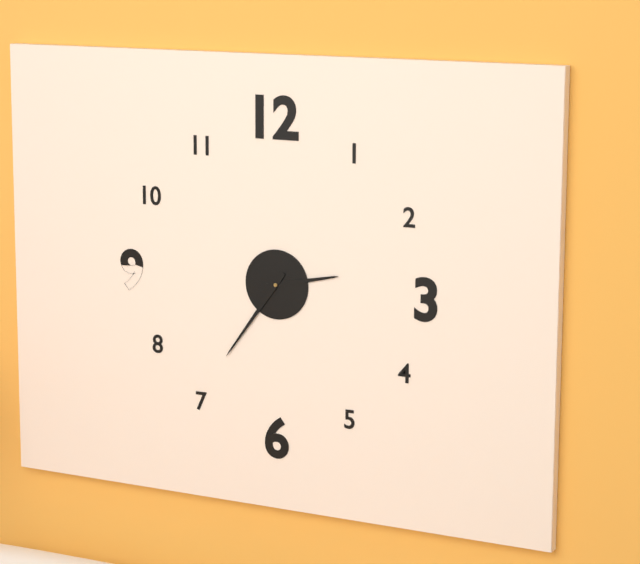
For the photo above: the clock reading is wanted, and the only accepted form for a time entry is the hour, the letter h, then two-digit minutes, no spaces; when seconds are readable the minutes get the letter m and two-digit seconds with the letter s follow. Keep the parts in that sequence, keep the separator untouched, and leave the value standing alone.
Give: 2h36
